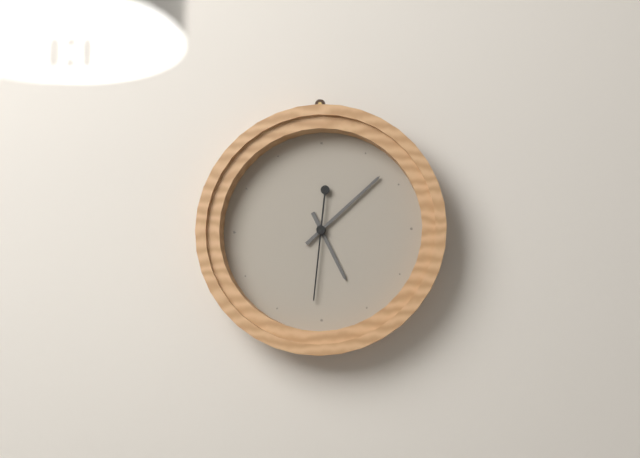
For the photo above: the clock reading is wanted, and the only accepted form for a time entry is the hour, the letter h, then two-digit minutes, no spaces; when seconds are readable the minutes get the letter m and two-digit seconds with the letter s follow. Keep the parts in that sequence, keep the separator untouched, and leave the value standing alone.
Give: 5h08m31s
